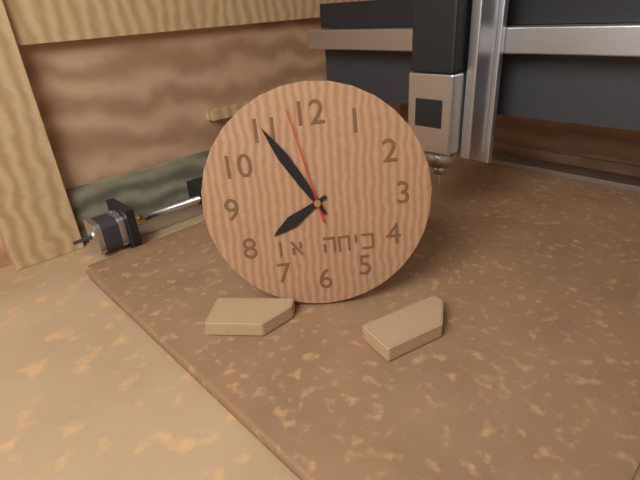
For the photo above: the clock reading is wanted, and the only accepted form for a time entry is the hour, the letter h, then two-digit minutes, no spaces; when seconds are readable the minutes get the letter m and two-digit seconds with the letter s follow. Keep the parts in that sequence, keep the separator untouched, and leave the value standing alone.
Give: 7h55m58s
